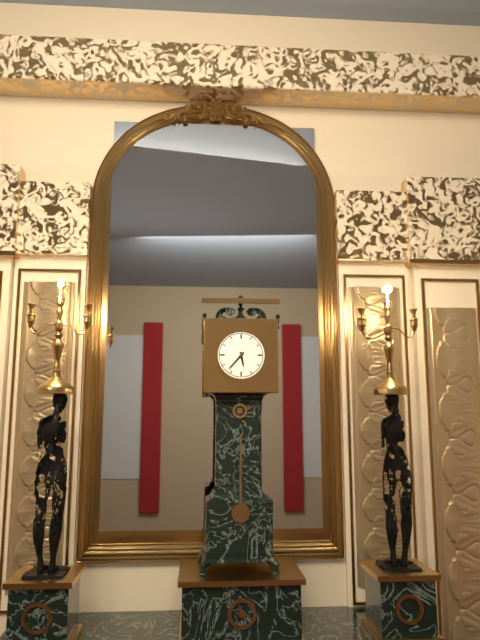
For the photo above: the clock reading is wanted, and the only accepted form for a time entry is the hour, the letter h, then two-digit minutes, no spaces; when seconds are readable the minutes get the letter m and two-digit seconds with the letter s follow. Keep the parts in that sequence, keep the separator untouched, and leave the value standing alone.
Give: 5h37
